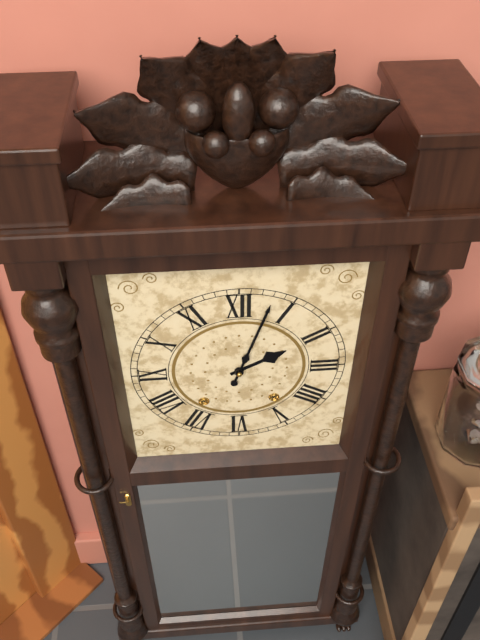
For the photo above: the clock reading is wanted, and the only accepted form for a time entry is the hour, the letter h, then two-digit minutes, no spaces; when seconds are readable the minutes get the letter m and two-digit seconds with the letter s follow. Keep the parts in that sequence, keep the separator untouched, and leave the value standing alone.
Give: 2h03
